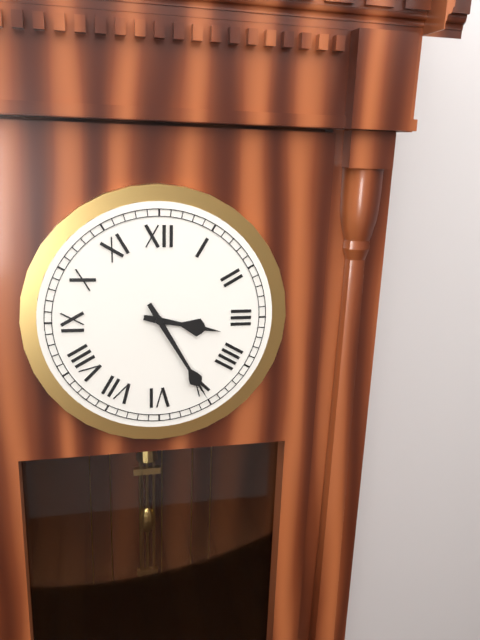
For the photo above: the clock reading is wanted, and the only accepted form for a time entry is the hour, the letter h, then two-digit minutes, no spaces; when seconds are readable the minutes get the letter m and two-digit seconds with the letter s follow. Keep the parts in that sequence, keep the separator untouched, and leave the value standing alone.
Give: 3h25
